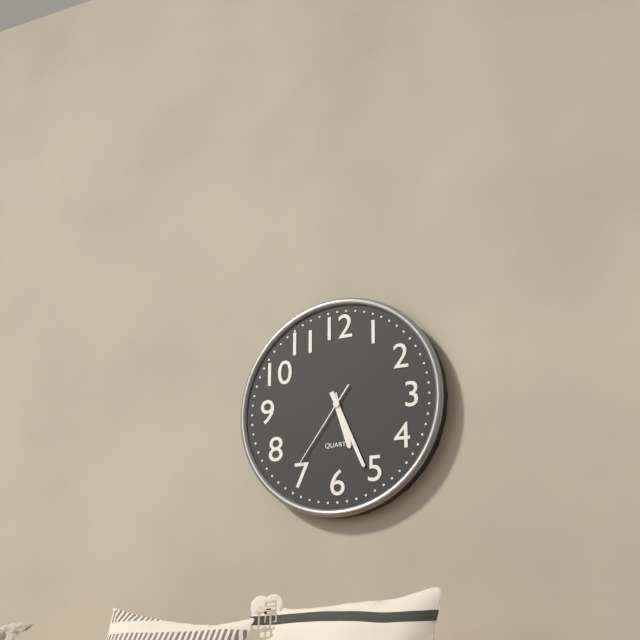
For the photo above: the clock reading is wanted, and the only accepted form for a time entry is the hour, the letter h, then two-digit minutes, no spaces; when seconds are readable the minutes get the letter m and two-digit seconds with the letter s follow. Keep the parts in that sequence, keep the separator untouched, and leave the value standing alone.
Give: 5h26m36s
